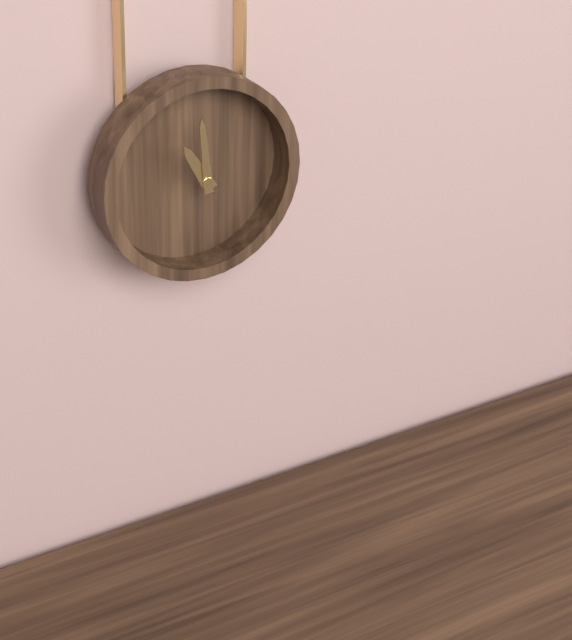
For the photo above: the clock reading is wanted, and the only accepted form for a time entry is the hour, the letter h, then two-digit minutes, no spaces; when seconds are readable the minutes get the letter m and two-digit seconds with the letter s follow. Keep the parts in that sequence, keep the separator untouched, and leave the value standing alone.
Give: 10h59
